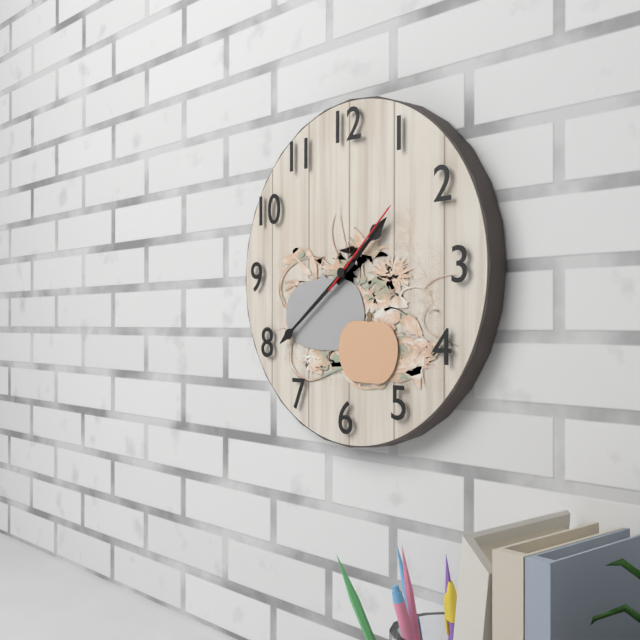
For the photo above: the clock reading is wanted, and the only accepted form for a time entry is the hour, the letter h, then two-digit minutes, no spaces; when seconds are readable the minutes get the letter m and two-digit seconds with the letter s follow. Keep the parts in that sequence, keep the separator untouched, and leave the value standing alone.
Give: 1h39m08s
